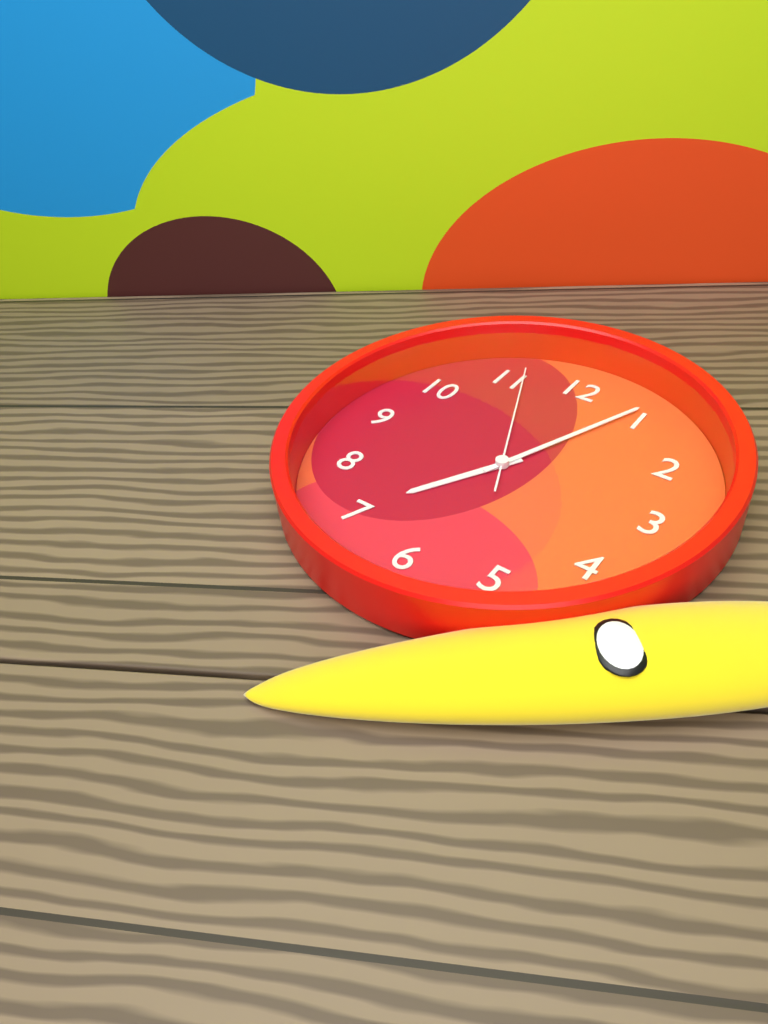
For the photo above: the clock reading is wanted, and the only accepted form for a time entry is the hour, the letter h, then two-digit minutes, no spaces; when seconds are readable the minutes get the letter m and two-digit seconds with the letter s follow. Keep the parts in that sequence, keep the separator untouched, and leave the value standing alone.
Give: 7h04m56s
